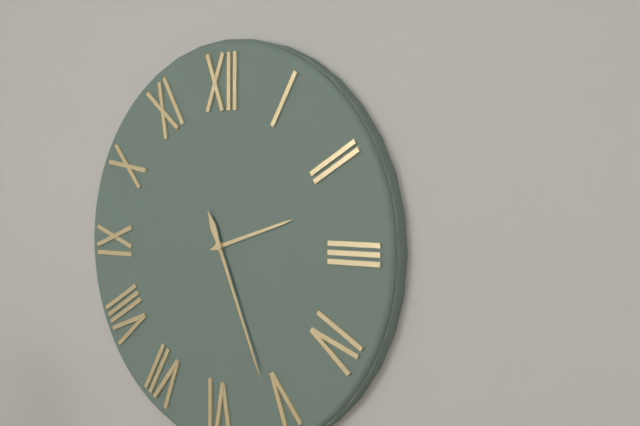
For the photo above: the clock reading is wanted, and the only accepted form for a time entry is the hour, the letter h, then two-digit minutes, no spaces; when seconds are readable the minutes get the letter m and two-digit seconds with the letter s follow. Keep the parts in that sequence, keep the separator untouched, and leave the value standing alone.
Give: 2h26
